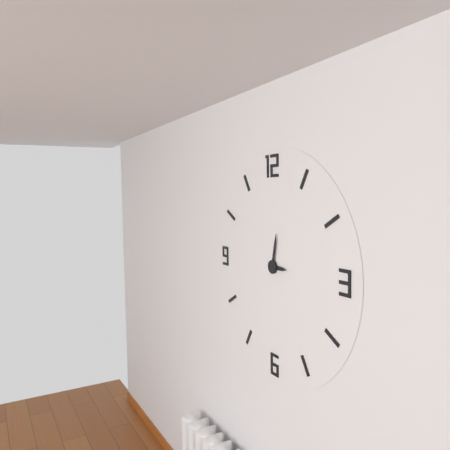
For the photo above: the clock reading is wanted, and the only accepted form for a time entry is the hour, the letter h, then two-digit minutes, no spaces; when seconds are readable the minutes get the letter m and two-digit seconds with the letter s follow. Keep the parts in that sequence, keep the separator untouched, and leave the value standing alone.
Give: 3h02
